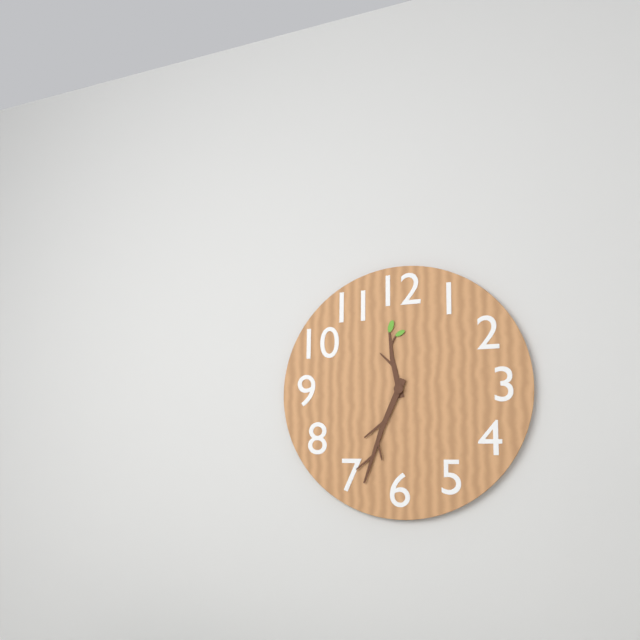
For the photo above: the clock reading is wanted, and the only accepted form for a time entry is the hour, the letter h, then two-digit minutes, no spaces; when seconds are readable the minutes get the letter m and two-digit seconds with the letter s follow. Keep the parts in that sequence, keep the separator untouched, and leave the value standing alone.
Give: 11h34
